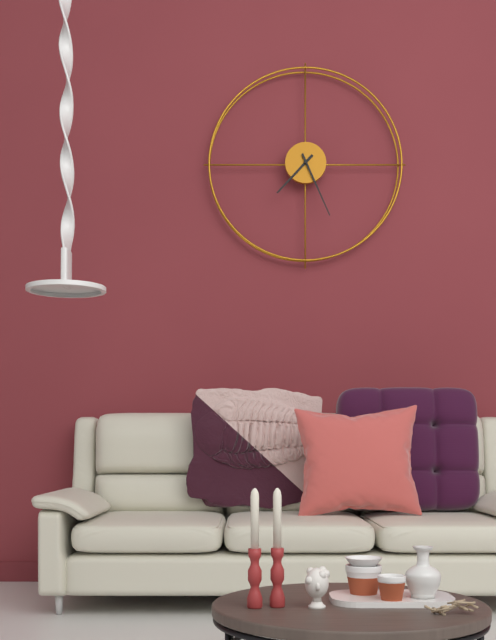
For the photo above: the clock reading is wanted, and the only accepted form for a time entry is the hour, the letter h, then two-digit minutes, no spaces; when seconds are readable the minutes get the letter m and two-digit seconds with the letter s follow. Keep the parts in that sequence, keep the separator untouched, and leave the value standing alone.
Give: 7h26
